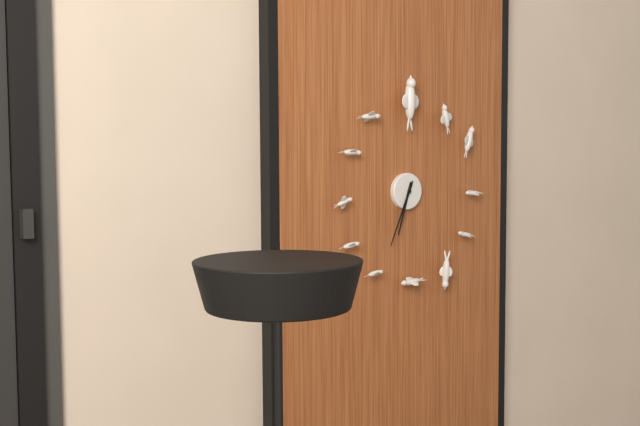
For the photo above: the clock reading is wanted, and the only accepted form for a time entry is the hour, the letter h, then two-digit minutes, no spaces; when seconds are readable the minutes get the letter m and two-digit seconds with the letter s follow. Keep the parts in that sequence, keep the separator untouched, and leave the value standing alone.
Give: 6h34
